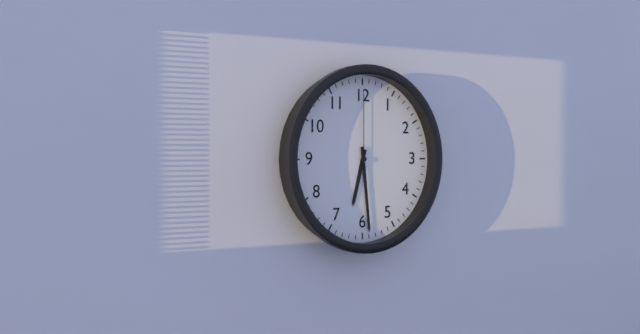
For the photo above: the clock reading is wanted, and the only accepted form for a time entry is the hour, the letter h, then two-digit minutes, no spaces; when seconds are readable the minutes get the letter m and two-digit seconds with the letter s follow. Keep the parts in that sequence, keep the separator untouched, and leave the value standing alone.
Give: 6h29m00s
